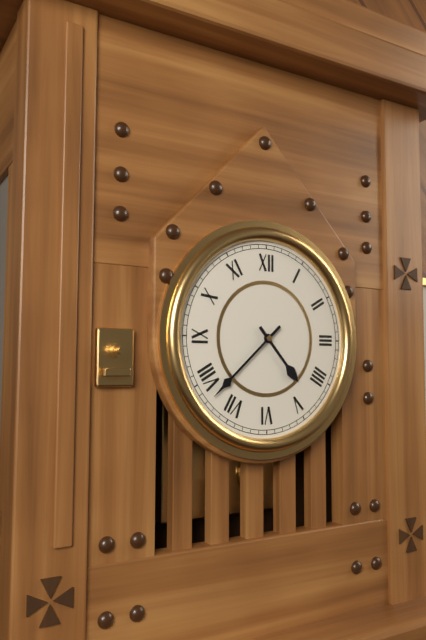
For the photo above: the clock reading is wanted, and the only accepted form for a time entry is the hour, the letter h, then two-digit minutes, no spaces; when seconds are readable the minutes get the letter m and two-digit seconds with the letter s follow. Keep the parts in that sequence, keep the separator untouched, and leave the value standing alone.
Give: 4h38
